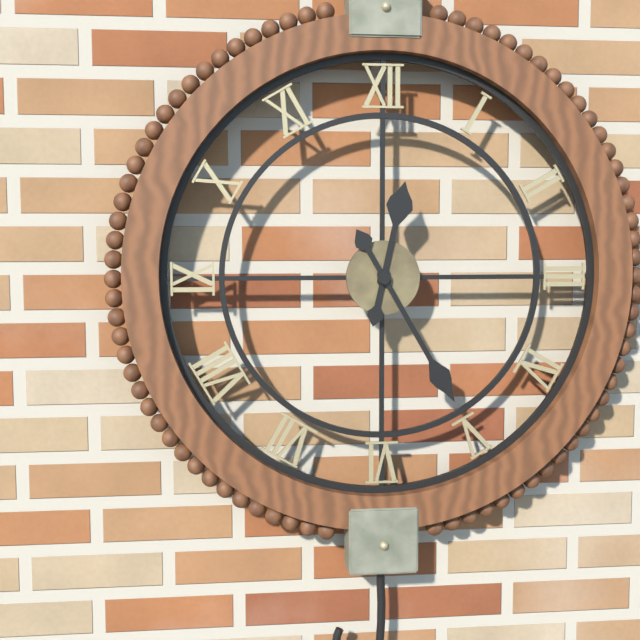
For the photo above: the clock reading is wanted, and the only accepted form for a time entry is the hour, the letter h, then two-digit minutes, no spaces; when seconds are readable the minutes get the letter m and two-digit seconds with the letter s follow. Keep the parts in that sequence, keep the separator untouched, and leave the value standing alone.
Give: 12h25
